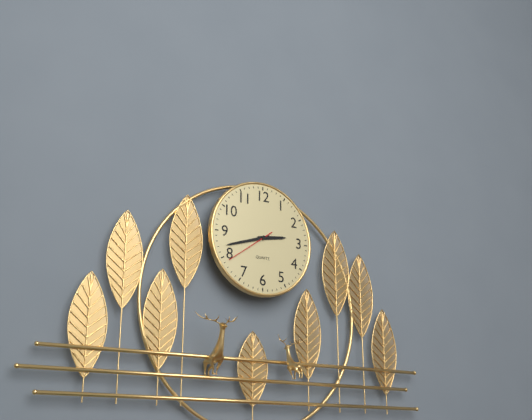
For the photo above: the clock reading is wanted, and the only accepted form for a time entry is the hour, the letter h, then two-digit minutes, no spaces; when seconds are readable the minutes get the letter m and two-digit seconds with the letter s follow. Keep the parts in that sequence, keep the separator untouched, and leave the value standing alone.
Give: 2h42m39s
